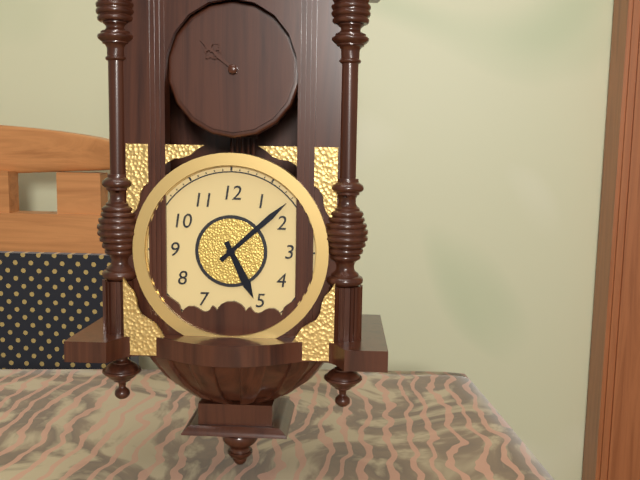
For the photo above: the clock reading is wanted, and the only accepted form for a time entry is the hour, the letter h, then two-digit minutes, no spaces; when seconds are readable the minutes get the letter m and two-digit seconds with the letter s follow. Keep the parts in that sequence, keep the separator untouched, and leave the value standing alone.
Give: 5h08
